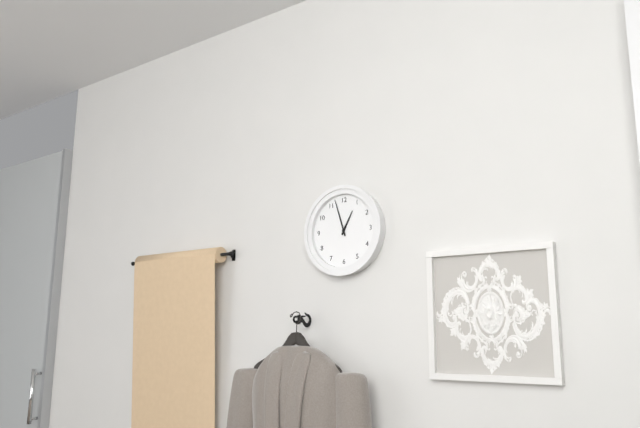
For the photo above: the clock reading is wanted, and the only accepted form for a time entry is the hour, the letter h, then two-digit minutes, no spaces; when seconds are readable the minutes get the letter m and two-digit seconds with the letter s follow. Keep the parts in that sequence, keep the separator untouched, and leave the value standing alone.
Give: 12h57
